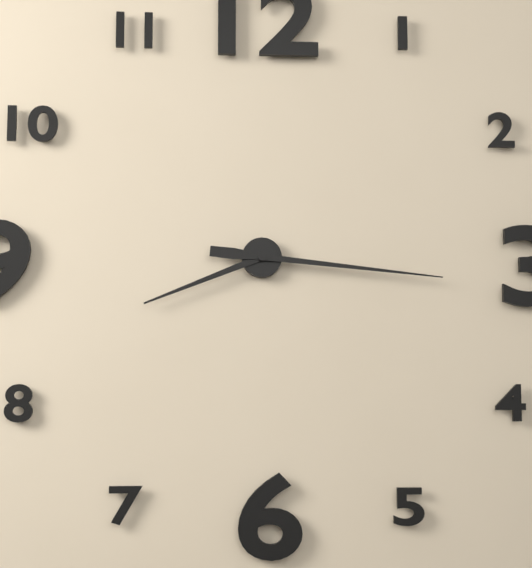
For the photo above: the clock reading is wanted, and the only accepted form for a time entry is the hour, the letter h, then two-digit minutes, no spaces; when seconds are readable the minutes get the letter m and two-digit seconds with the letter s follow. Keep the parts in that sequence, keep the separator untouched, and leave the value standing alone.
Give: 8h16
